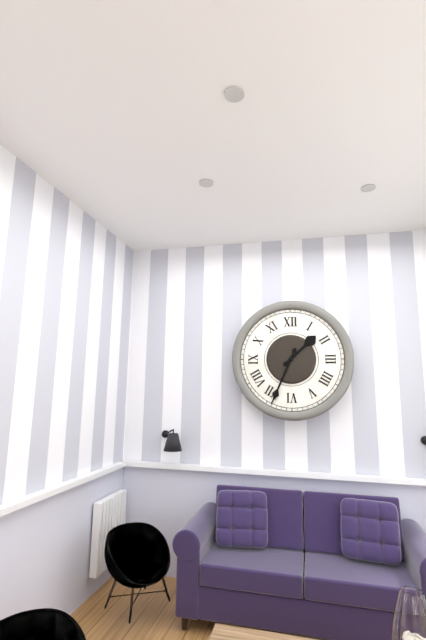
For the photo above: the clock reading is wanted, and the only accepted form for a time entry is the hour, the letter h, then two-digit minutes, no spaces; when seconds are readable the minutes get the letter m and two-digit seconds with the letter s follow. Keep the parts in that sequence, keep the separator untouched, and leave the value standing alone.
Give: 1h34
